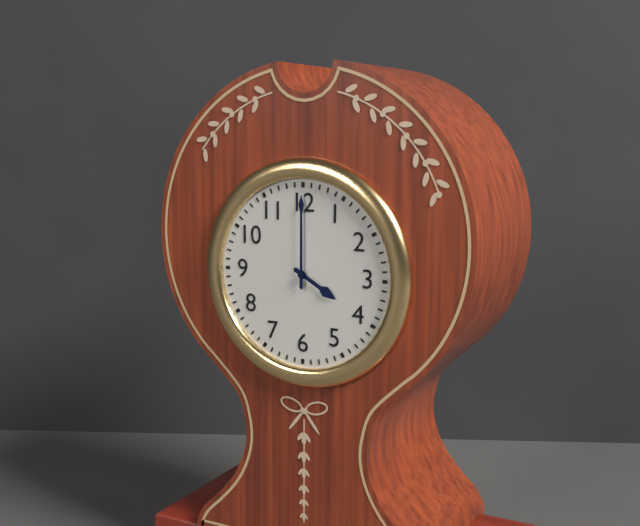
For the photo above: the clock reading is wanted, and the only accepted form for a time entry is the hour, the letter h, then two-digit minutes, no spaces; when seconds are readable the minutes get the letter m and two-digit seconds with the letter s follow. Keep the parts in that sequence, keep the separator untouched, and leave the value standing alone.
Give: 4h00
